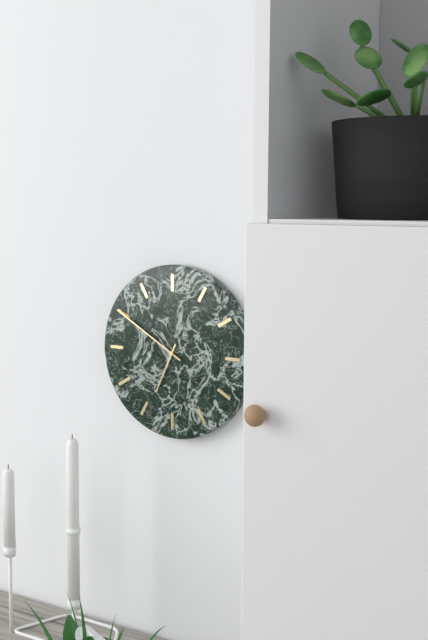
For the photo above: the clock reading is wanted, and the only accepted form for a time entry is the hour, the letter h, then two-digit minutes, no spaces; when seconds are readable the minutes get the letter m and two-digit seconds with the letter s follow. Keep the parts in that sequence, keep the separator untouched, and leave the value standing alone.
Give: 6h50
